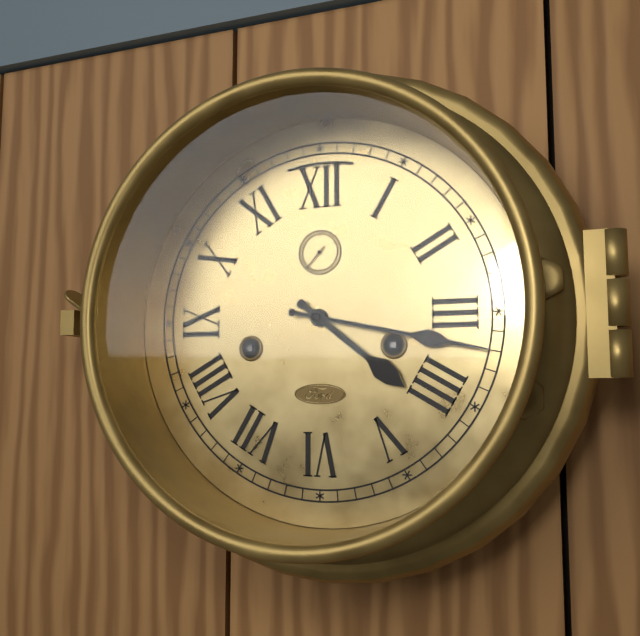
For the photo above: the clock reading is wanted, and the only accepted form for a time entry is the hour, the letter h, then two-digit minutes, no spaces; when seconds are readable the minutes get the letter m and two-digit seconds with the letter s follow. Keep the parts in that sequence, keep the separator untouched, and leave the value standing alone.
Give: 4h17
